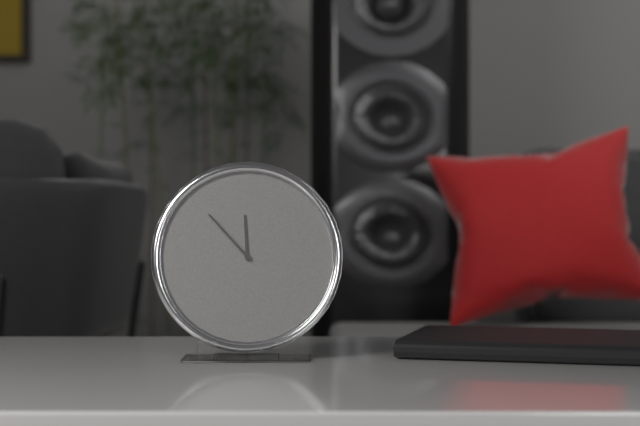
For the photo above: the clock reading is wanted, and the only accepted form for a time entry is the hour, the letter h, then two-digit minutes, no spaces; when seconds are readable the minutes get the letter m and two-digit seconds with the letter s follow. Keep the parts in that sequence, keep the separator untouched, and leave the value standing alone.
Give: 11h53
